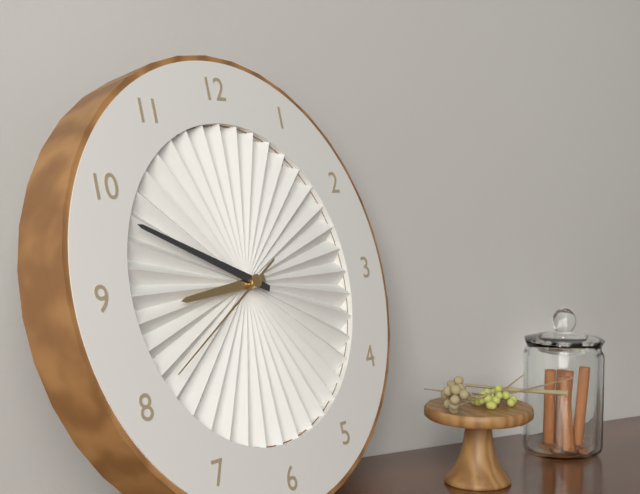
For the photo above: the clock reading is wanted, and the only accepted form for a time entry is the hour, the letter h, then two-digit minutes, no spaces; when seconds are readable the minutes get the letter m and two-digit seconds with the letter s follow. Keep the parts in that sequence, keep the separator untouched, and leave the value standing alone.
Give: 8h49m40s
